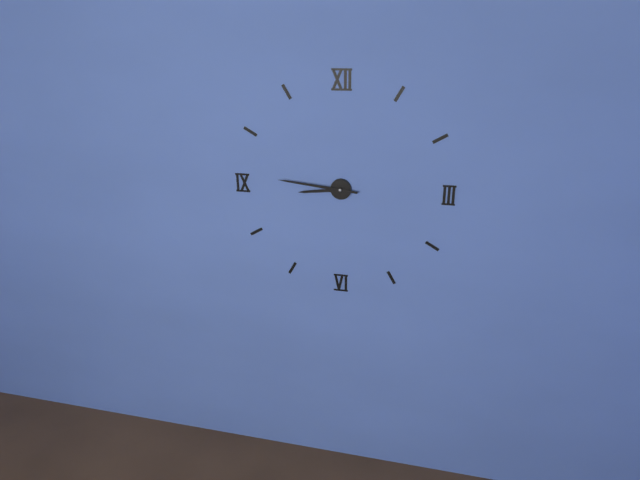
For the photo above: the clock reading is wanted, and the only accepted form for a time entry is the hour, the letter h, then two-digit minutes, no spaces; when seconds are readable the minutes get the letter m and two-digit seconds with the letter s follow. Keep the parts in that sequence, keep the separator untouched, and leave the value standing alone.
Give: 8h46
